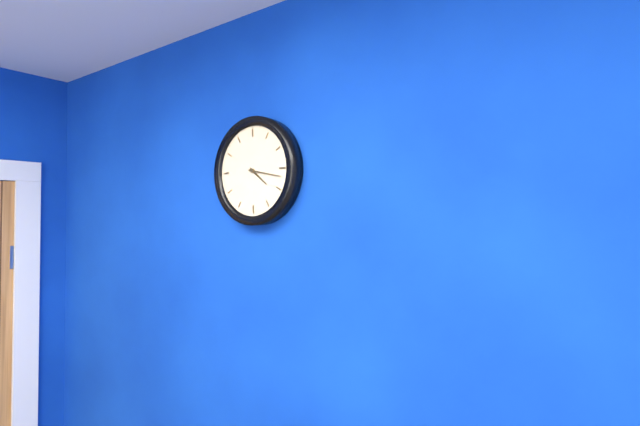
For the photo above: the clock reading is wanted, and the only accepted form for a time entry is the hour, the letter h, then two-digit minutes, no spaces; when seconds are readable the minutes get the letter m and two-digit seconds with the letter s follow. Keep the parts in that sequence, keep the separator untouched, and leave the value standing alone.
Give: 4h17
